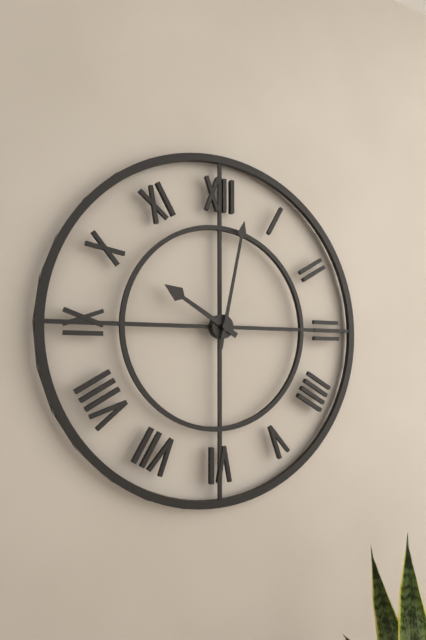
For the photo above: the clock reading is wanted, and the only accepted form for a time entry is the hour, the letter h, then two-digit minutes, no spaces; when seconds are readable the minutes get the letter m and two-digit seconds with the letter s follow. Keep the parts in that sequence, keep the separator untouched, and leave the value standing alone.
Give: 10h02
